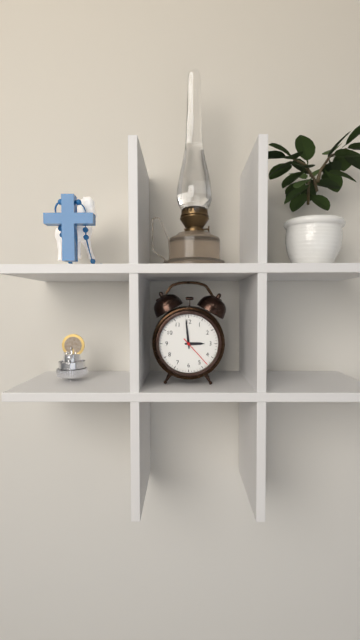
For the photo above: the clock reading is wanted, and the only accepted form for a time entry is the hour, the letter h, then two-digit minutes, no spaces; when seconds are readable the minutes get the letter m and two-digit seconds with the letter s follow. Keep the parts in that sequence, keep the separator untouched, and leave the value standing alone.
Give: 2h59
